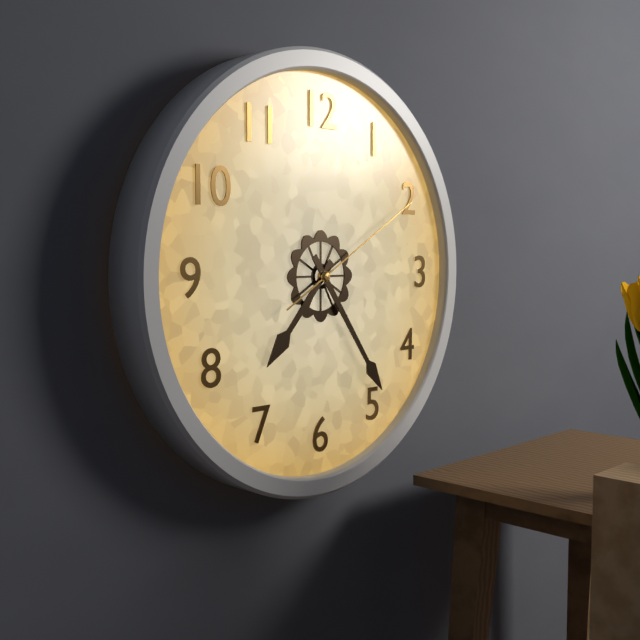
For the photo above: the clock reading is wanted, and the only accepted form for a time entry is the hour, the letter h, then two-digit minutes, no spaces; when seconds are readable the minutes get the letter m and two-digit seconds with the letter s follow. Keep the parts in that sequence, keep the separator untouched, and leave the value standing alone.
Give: 7h24m10s
